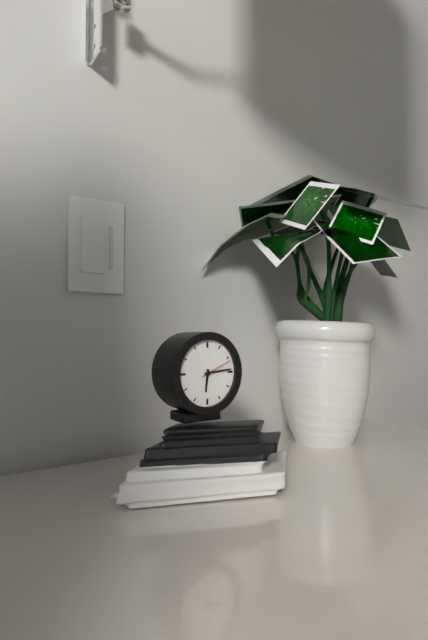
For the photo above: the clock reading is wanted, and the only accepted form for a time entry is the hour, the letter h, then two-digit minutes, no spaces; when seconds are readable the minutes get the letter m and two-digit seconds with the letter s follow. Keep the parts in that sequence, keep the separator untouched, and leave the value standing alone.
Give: 6h14
